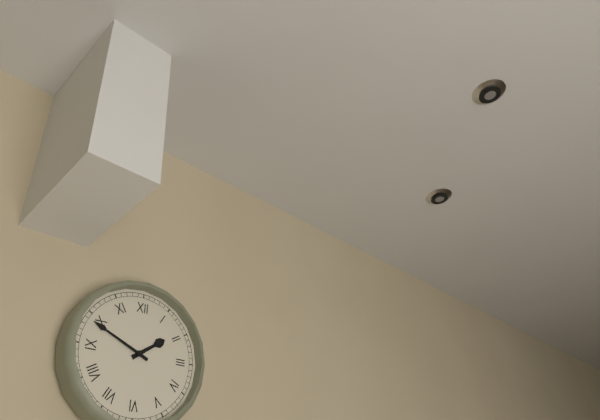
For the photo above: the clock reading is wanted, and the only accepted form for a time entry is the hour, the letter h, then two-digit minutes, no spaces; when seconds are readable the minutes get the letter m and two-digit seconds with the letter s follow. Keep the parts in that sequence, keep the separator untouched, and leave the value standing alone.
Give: 1h49
